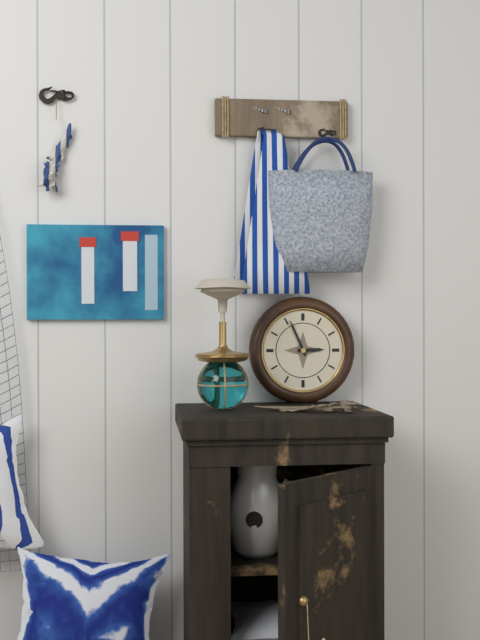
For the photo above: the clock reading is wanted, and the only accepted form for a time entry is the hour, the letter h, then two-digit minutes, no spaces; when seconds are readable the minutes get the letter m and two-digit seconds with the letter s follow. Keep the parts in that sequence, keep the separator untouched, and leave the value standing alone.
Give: 2h56
